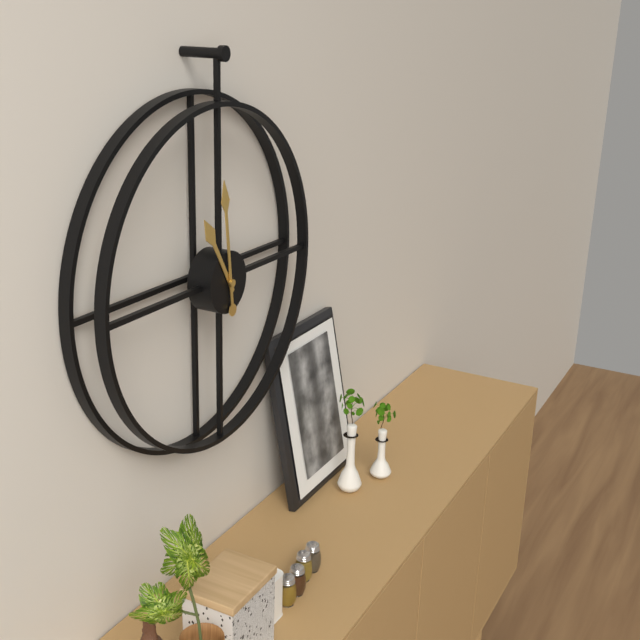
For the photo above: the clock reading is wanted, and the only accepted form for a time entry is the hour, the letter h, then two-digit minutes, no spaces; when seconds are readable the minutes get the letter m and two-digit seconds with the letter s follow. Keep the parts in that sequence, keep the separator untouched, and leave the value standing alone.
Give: 10h59
